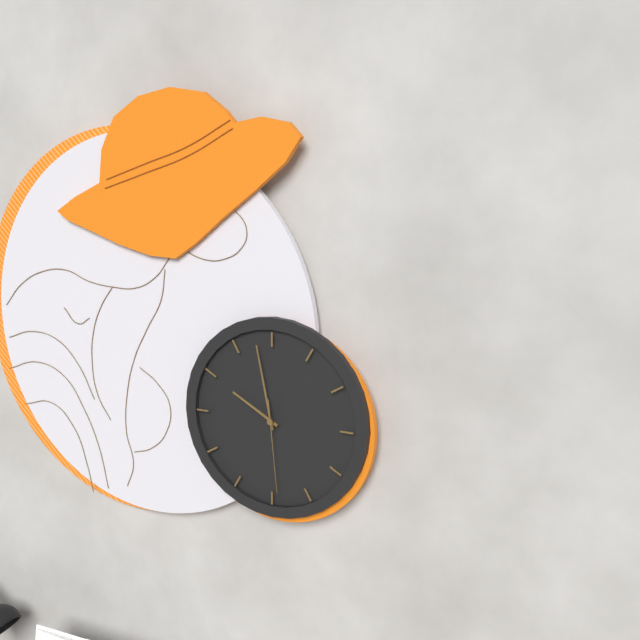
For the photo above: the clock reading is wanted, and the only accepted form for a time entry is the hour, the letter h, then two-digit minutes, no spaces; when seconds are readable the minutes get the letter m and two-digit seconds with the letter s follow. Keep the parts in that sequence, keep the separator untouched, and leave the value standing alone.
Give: 9h58m29s
